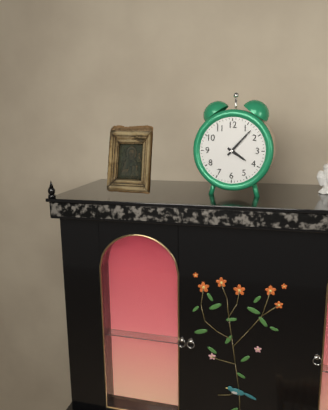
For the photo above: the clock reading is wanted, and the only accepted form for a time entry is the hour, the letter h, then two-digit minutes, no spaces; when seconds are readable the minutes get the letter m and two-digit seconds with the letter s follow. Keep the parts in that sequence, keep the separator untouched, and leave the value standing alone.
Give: 4h07
